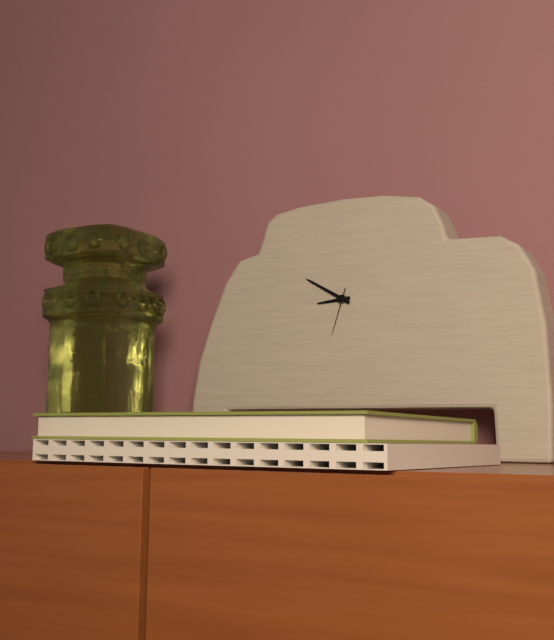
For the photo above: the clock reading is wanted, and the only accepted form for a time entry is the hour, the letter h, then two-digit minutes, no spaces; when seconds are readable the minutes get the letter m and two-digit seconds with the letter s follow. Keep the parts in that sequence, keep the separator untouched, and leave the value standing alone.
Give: 8h50
